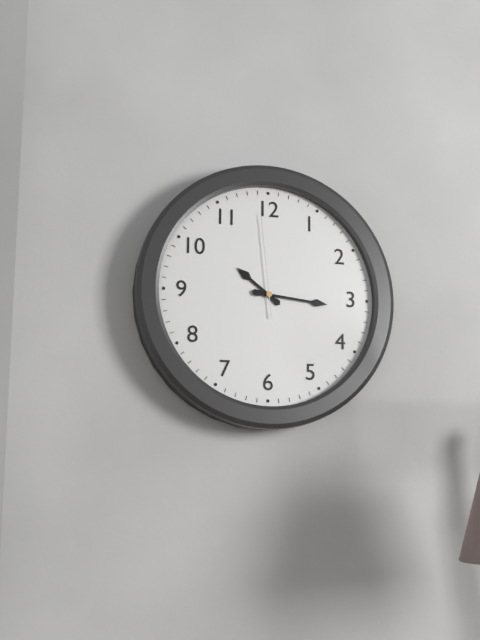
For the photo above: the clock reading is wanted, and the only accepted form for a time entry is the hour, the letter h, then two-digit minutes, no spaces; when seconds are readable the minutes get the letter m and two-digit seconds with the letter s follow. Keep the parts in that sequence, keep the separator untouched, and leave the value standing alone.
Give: 10h16m59s
